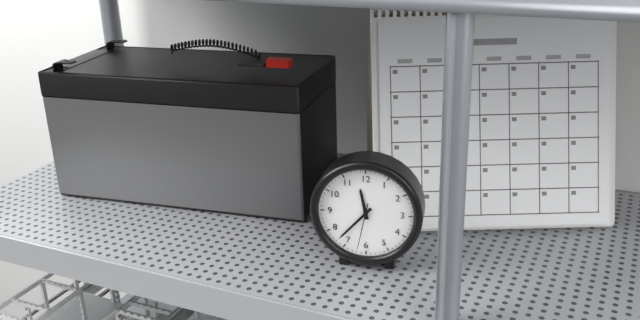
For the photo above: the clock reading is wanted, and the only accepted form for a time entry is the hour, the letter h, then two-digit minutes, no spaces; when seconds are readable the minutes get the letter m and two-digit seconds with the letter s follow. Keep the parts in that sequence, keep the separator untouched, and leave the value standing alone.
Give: 11h37
